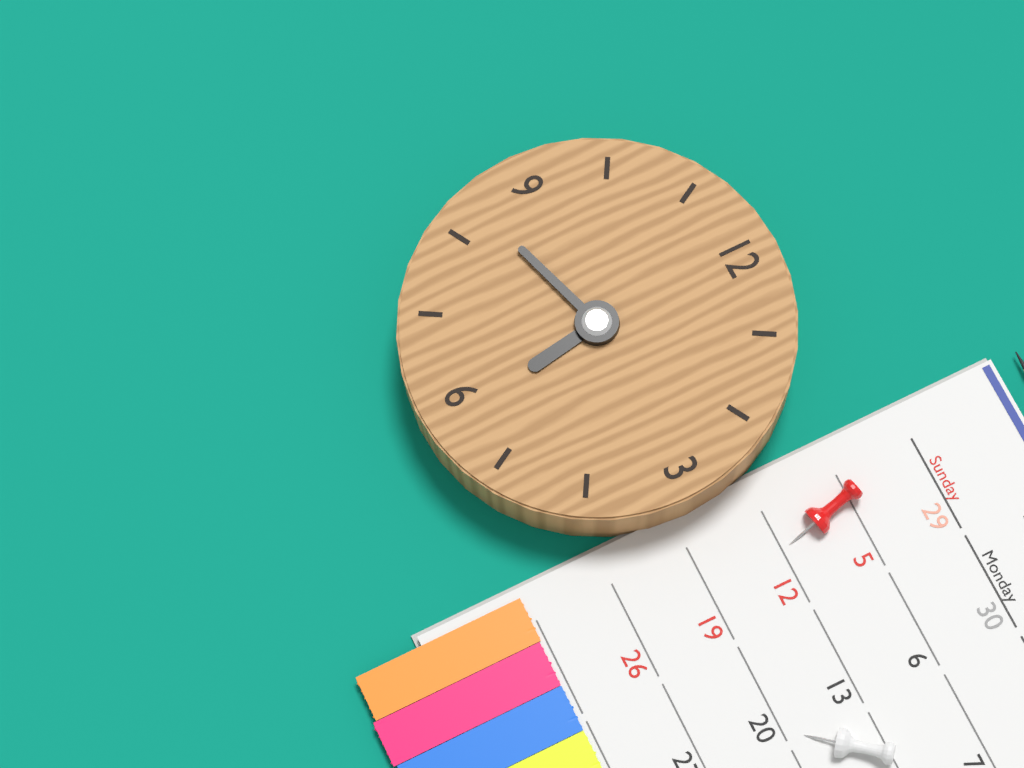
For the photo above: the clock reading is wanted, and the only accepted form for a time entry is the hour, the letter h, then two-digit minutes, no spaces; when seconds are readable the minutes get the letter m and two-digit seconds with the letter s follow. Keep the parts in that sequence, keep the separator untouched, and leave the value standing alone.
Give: 5h42
